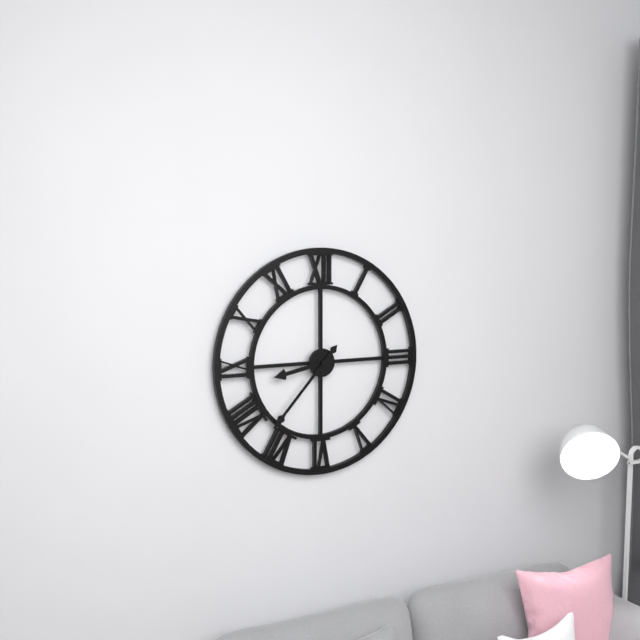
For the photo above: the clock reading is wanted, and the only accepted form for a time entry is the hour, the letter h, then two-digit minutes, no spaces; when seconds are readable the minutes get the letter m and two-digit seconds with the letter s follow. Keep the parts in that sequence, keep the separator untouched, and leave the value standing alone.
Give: 8h37
